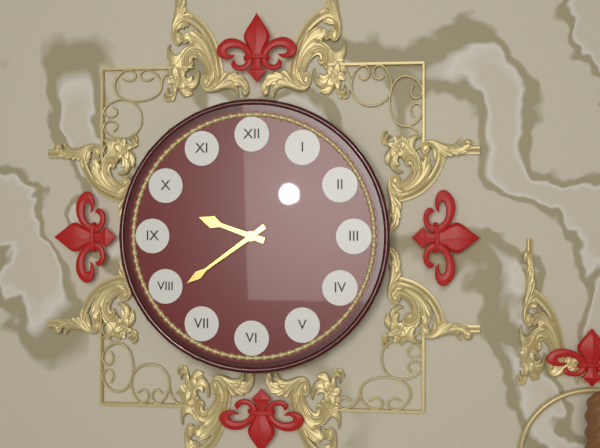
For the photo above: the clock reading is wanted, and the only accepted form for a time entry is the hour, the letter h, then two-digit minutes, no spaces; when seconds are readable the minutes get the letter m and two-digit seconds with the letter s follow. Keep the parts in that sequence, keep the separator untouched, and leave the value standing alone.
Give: 9h39
